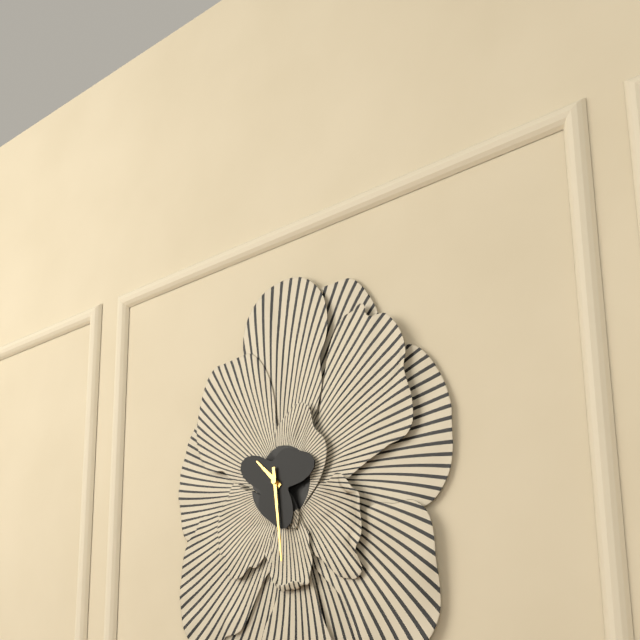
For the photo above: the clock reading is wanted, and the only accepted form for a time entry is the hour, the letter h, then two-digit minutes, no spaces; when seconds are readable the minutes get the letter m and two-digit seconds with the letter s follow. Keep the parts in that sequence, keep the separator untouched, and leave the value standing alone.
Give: 10h29
